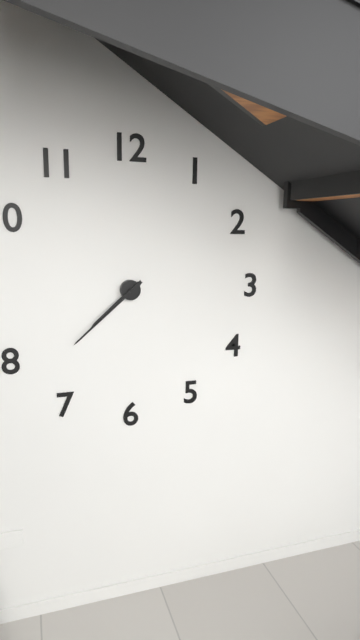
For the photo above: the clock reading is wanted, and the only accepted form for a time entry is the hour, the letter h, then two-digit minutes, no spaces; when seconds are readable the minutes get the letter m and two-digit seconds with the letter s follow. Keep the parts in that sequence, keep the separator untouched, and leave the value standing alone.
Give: 7h38
